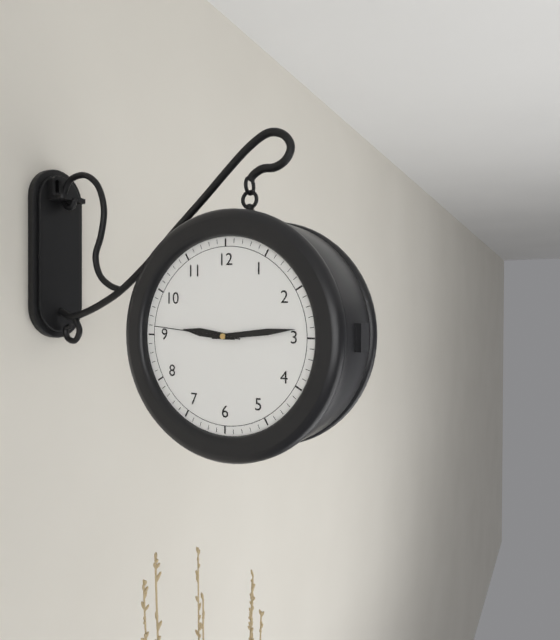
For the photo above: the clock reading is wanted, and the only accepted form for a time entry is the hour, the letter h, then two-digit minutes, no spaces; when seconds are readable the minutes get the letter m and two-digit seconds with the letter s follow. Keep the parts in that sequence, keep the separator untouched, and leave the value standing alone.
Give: 9h14m46s
